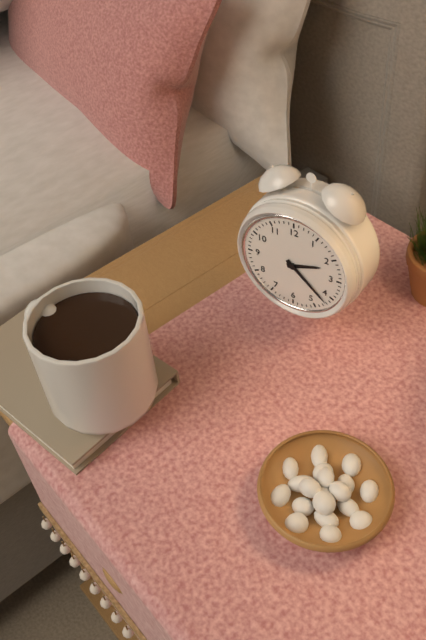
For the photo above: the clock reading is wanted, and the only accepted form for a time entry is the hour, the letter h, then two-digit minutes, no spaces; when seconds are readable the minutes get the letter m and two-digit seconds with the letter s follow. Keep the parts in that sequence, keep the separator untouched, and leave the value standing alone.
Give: 2h22
